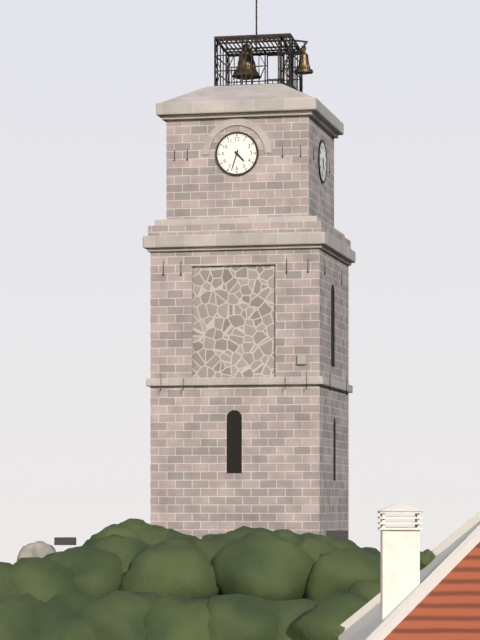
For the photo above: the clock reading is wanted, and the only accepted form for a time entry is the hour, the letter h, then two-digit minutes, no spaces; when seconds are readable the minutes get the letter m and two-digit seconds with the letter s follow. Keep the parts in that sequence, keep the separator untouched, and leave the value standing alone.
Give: 4h33
